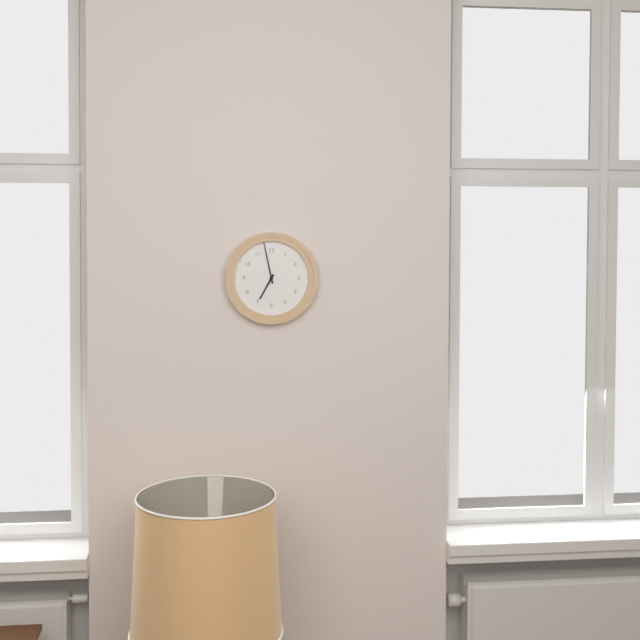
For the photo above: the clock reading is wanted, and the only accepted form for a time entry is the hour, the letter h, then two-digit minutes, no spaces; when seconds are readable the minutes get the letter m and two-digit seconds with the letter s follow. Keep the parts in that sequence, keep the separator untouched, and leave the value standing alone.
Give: 6h58
